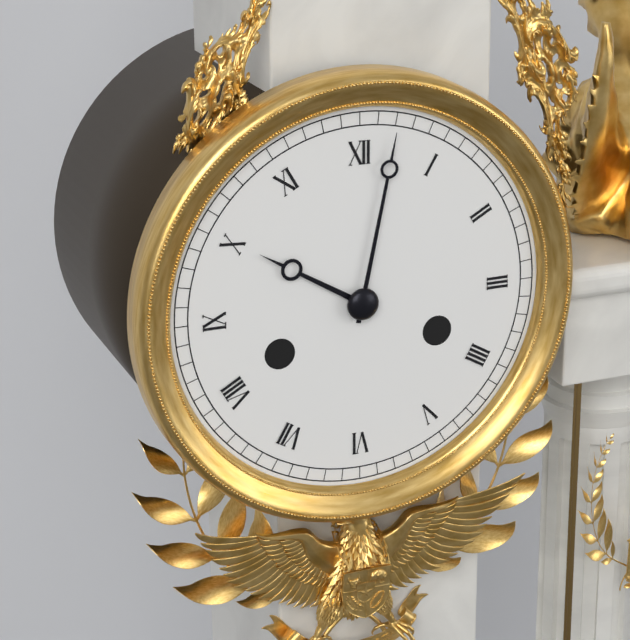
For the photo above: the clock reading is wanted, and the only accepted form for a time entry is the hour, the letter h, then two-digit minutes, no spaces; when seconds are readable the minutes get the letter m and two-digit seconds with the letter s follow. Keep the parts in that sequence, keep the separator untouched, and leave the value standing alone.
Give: 10h02
